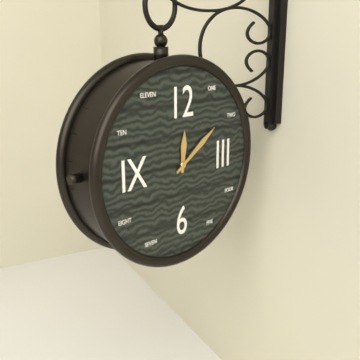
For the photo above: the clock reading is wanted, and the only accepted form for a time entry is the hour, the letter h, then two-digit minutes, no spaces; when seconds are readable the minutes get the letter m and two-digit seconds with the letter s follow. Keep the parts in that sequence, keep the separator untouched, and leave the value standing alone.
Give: 12h09
